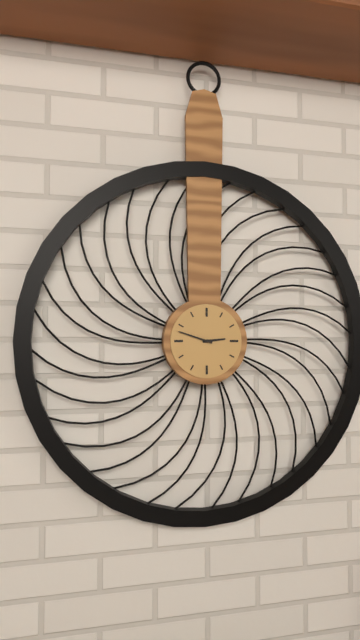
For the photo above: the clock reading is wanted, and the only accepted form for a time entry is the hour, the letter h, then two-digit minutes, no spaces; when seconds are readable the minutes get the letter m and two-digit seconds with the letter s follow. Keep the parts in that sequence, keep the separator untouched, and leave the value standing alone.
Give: 2h48
